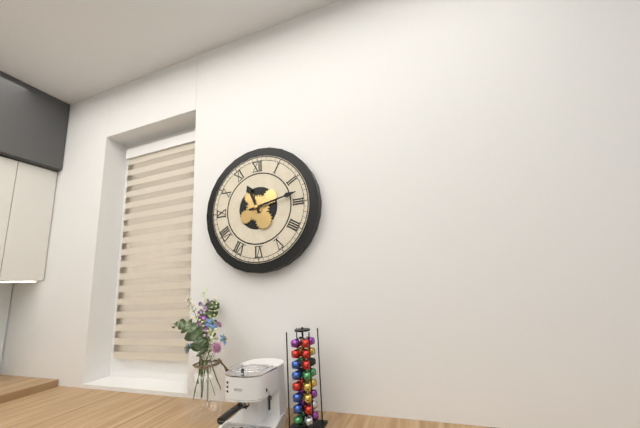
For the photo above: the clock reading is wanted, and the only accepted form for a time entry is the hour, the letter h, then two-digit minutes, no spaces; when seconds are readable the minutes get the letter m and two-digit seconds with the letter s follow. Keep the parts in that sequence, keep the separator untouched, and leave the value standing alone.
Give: 11h13
